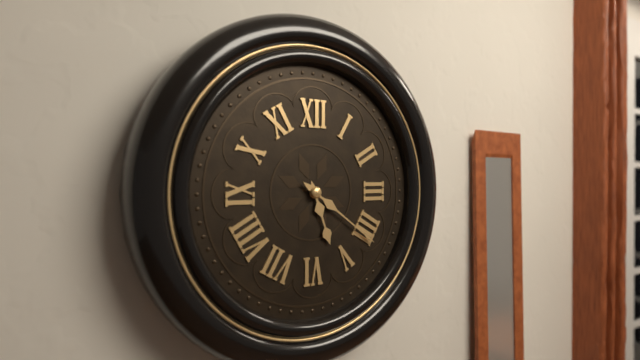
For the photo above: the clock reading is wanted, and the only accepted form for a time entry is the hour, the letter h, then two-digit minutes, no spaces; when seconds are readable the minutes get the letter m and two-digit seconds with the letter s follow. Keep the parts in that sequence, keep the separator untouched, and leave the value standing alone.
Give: 5h21
